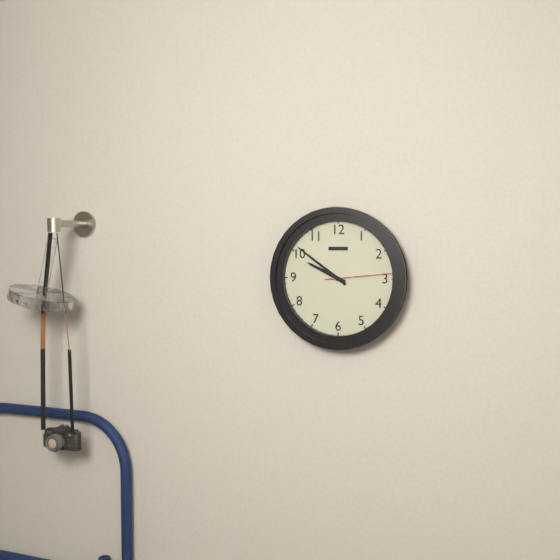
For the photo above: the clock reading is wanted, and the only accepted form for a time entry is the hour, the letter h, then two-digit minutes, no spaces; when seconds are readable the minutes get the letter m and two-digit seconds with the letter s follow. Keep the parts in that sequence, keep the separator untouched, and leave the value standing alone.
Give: 9h51m14s
